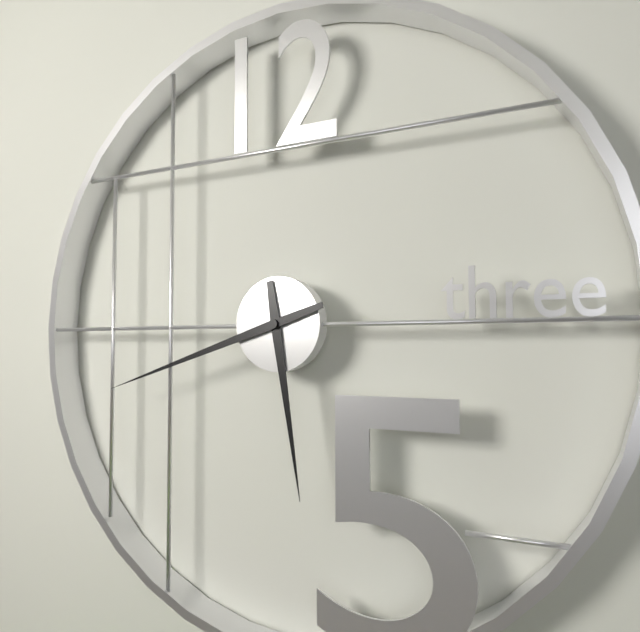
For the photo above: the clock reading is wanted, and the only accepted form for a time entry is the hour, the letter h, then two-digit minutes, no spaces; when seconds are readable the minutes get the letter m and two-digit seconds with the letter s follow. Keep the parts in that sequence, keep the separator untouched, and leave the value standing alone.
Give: 5h42
